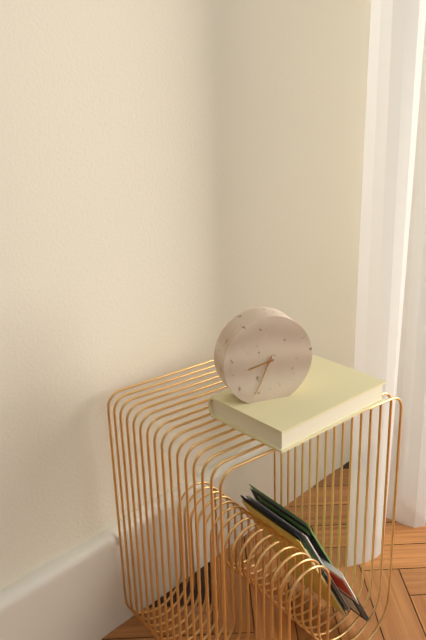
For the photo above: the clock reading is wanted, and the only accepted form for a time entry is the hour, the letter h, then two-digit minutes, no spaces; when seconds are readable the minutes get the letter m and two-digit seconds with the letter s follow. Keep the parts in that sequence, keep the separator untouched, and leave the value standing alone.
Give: 8h34
